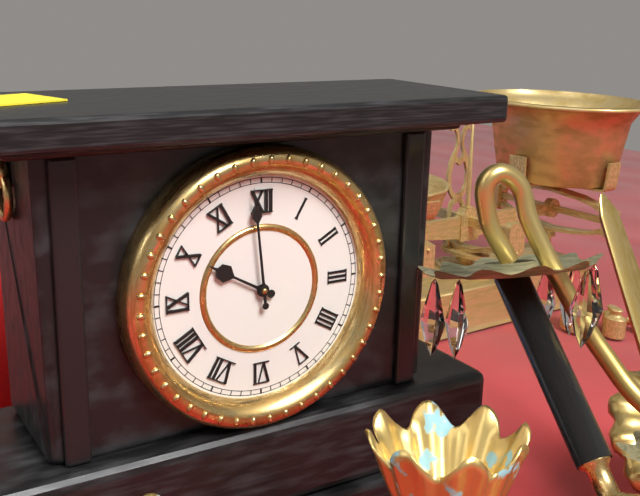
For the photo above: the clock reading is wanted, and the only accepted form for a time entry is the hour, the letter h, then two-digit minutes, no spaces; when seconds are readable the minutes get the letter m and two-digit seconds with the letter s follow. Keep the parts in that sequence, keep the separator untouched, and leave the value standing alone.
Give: 9h59
